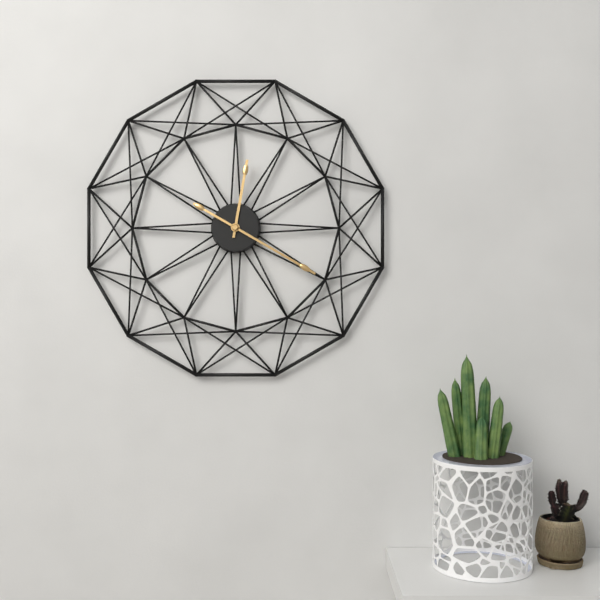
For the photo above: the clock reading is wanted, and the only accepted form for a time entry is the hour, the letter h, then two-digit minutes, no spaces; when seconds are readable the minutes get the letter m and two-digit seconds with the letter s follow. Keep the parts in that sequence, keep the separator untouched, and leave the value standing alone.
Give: 12h20
